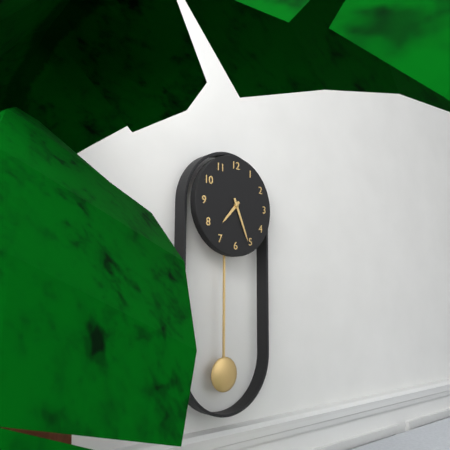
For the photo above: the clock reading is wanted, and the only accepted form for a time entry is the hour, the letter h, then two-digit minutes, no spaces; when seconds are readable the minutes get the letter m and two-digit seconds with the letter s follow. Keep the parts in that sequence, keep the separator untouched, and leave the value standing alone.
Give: 7h26
